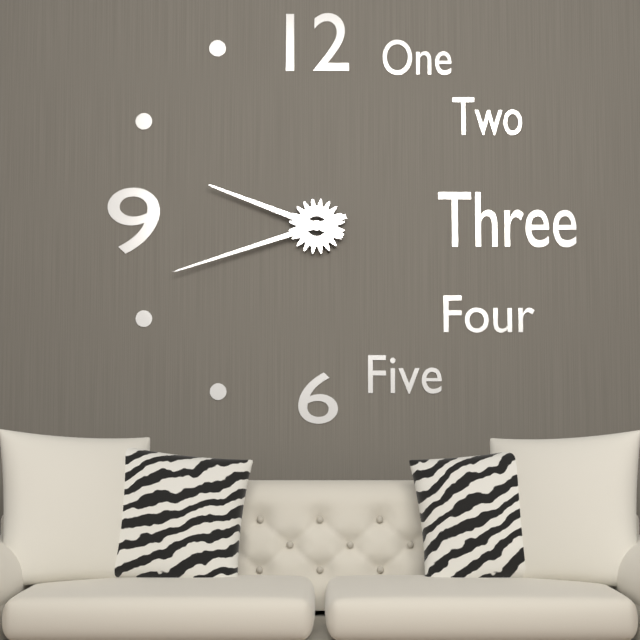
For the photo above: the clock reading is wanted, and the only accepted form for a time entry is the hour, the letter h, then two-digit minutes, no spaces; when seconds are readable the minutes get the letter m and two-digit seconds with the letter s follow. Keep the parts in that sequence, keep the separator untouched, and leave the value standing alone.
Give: 9h42
